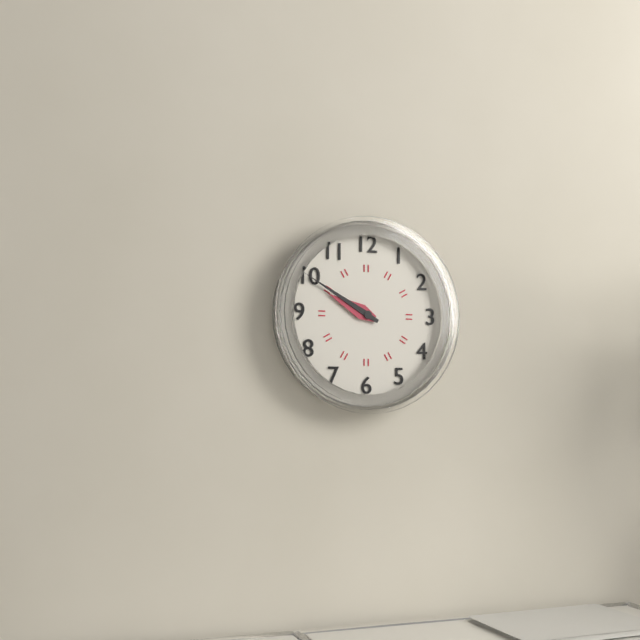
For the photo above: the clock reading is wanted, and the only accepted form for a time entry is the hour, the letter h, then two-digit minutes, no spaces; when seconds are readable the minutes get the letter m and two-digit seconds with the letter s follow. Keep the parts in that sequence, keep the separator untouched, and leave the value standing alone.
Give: 9h50
